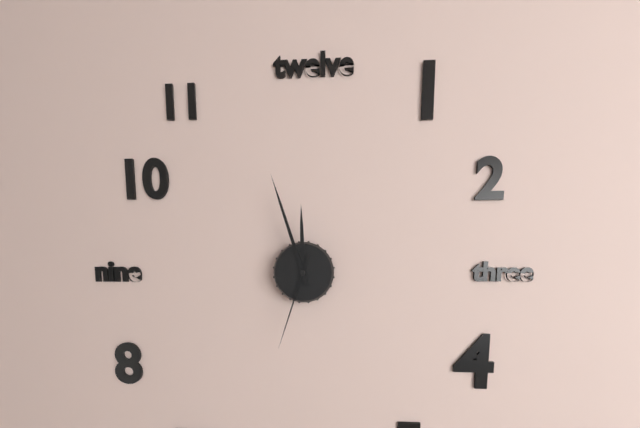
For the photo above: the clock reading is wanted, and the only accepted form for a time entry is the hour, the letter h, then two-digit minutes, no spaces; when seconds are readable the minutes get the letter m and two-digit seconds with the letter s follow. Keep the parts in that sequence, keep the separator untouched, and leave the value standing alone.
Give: 11h57m33s
